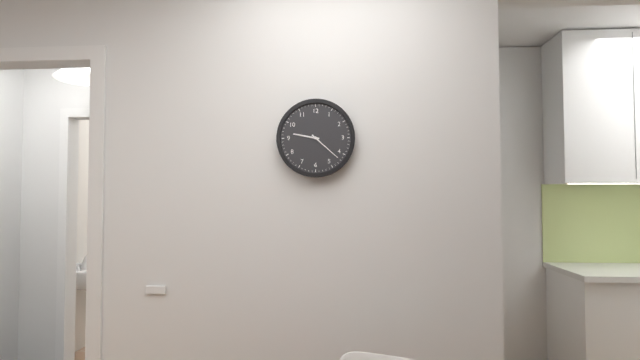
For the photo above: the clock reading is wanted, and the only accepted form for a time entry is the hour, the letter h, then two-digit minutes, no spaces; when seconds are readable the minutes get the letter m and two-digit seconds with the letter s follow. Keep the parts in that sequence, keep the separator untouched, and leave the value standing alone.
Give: 9h22
